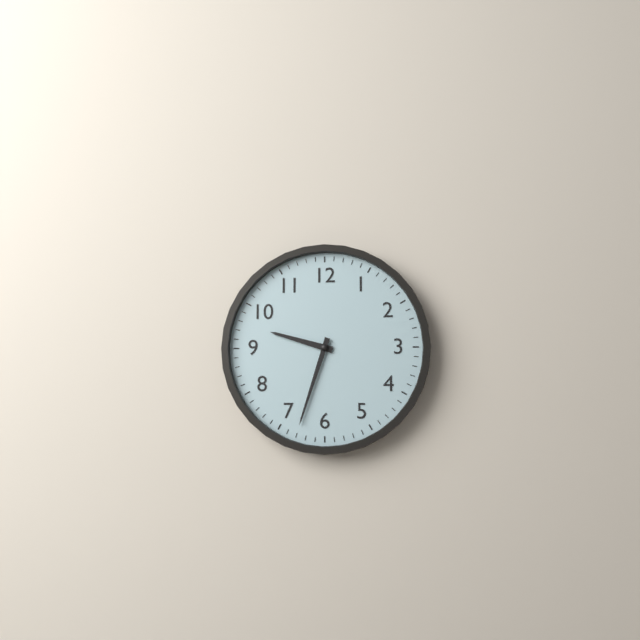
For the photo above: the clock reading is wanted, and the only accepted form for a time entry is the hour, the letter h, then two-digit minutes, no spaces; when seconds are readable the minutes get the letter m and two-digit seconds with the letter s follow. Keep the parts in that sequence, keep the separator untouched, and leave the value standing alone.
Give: 9h33
